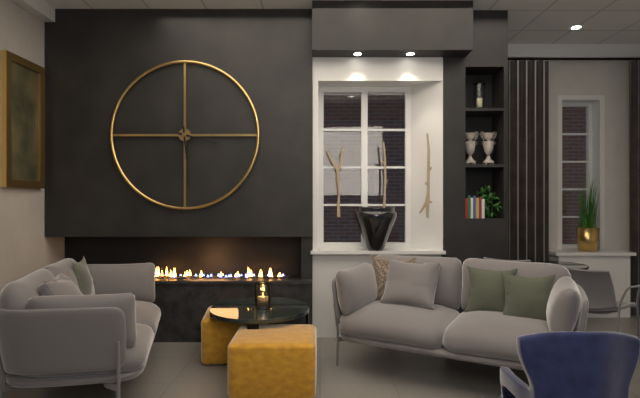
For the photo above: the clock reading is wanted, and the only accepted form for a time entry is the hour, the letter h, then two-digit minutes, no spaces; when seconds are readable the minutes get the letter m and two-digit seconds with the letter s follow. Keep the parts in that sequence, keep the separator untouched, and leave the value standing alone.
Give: 3h29
